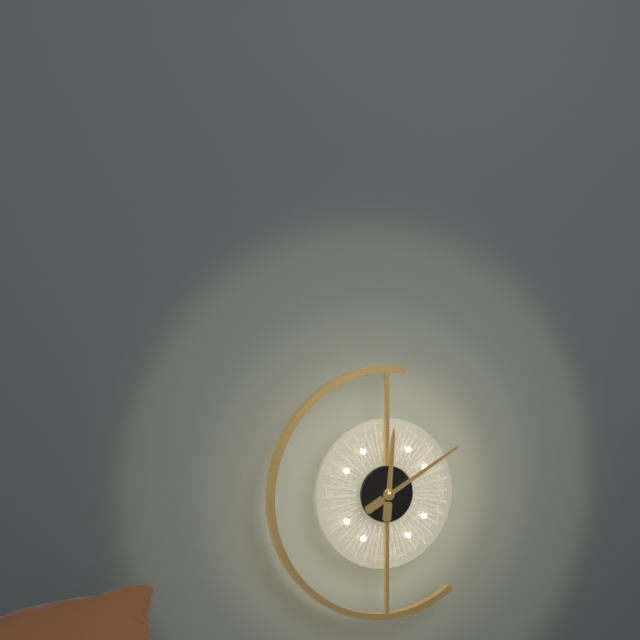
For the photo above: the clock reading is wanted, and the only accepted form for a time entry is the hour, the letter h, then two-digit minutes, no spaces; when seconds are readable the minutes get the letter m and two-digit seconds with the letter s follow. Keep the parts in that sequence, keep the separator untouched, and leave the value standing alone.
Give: 12h10
